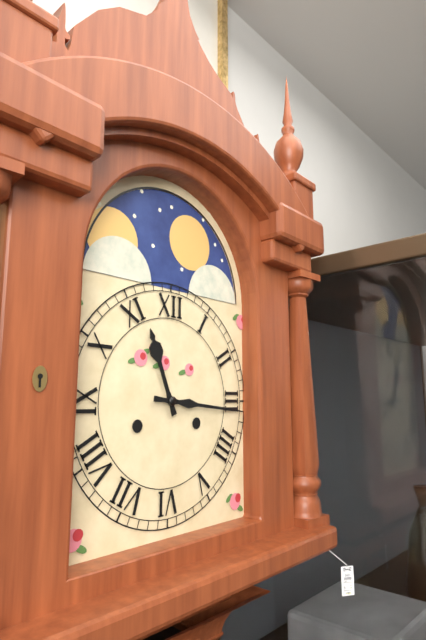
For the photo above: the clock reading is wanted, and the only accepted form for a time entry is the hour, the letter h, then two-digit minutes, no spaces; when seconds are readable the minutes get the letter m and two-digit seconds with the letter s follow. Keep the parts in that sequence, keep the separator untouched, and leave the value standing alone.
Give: 11h16
